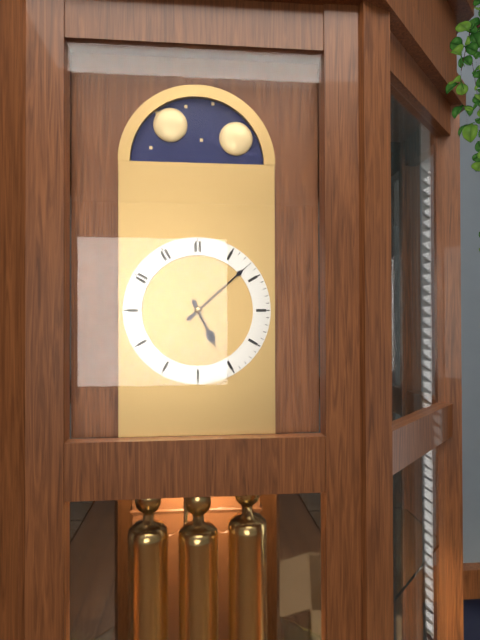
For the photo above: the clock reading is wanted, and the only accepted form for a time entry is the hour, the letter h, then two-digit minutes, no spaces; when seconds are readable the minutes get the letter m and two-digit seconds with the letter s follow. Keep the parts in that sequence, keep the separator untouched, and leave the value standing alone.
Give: 5h08
